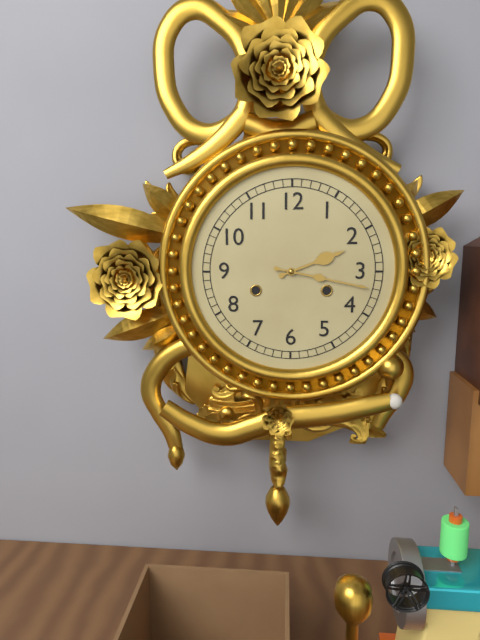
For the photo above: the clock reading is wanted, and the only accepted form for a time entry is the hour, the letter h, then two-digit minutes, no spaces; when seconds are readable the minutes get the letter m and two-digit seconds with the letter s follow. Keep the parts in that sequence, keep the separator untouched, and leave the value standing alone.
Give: 2h17
